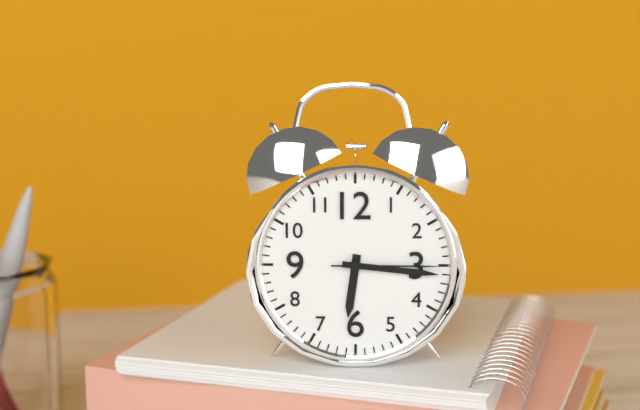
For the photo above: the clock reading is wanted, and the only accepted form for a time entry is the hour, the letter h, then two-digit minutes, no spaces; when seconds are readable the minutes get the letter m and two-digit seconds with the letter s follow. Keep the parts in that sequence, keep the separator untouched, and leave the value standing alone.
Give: 6h16m15s
